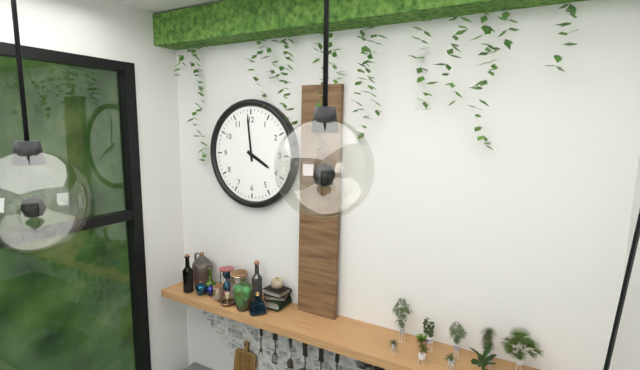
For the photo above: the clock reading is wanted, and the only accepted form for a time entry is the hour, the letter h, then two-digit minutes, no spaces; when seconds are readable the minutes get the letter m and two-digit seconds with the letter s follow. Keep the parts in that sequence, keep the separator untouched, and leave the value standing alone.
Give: 3h59
